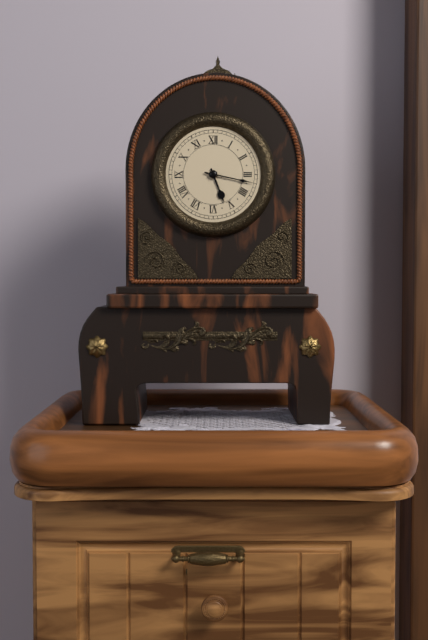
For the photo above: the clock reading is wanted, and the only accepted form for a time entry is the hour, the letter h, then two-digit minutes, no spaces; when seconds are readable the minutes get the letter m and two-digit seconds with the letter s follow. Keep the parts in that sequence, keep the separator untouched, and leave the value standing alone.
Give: 5h17
